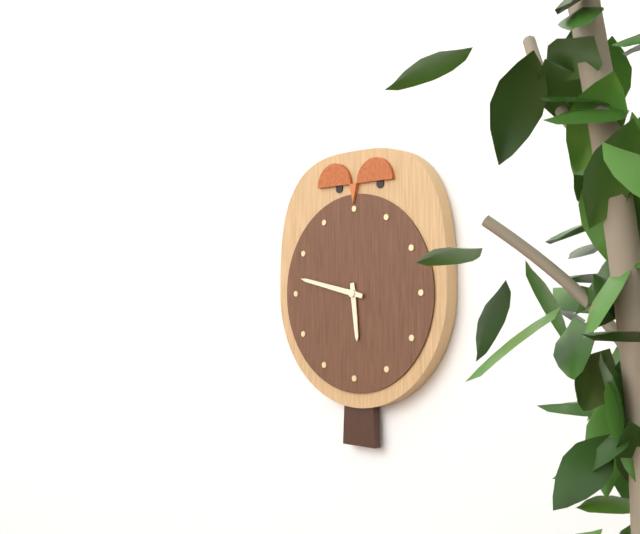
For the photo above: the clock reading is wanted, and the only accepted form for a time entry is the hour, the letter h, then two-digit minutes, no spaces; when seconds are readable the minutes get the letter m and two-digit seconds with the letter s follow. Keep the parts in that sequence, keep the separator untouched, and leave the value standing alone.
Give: 5h47
